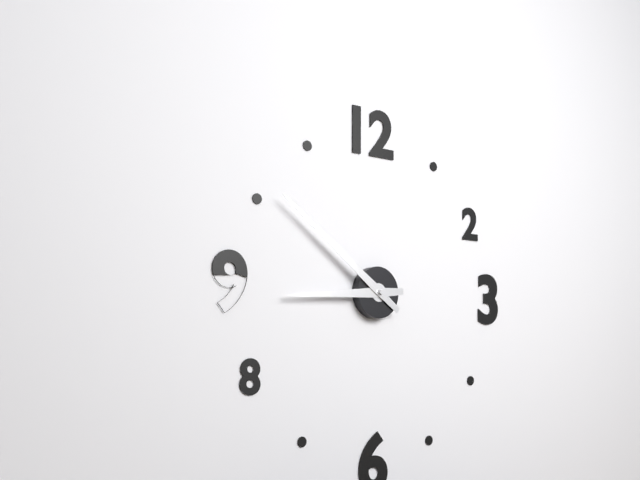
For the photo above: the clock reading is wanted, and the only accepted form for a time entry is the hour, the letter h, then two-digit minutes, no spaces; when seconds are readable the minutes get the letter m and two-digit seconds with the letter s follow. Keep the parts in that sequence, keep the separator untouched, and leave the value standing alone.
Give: 8h51
